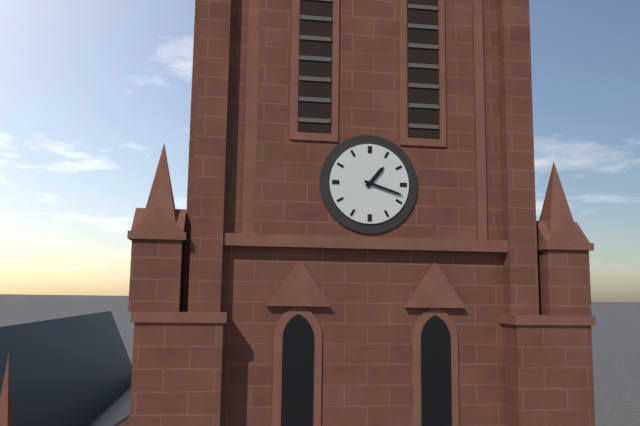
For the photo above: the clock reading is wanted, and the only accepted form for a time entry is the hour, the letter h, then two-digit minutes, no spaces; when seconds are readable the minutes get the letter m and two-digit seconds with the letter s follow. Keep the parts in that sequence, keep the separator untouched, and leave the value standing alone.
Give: 1h18
